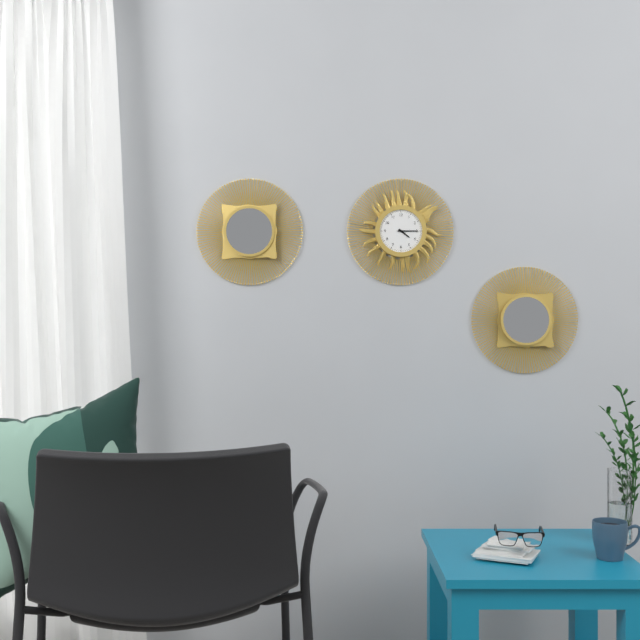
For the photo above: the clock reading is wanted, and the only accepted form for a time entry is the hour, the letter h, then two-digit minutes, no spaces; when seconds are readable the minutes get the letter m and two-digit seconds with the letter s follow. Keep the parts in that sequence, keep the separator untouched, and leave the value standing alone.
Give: 4h15
